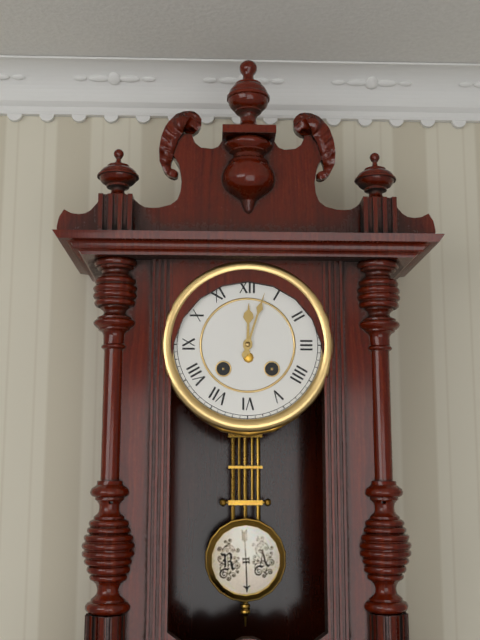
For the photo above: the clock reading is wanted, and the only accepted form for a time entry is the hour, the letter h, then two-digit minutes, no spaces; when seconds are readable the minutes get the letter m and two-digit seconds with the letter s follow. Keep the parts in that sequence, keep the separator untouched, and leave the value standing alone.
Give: 12h03
